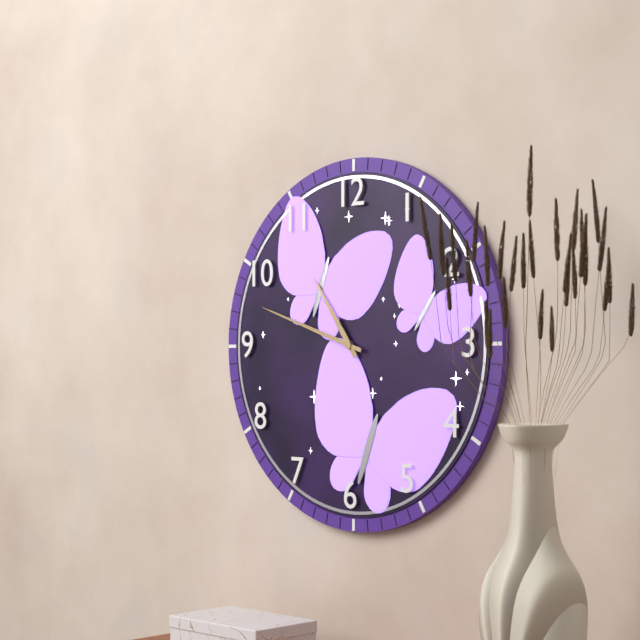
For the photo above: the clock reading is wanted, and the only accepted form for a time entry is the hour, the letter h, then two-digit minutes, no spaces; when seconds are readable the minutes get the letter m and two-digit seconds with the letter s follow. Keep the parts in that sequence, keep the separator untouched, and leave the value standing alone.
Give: 10h48
